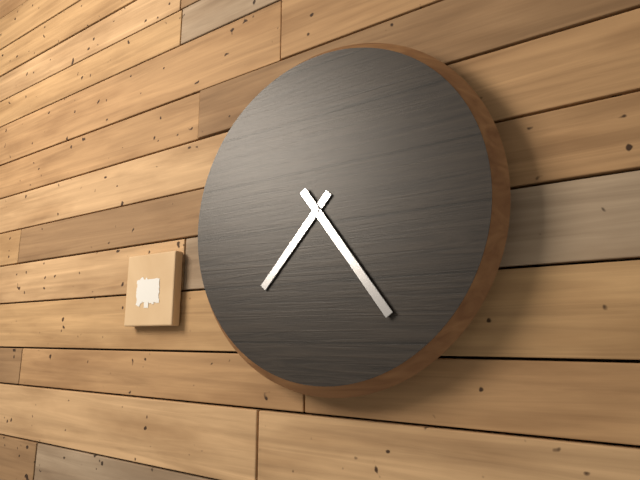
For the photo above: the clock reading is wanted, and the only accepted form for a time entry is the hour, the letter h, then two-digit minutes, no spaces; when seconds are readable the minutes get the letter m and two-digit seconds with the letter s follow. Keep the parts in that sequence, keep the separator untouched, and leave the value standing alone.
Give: 7h24
